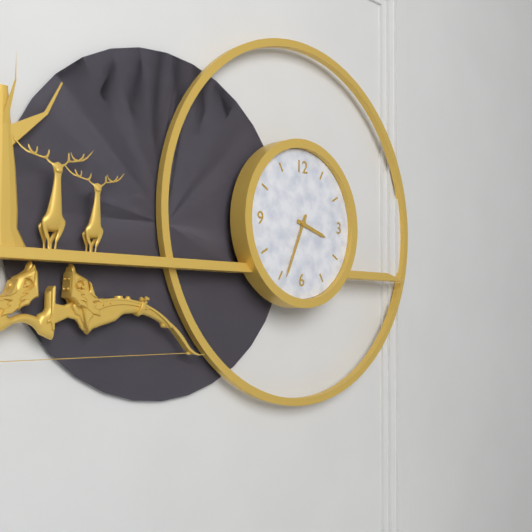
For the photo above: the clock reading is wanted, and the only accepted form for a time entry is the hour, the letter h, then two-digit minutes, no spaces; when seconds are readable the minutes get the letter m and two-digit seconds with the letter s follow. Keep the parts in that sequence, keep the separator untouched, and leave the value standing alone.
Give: 3h34
